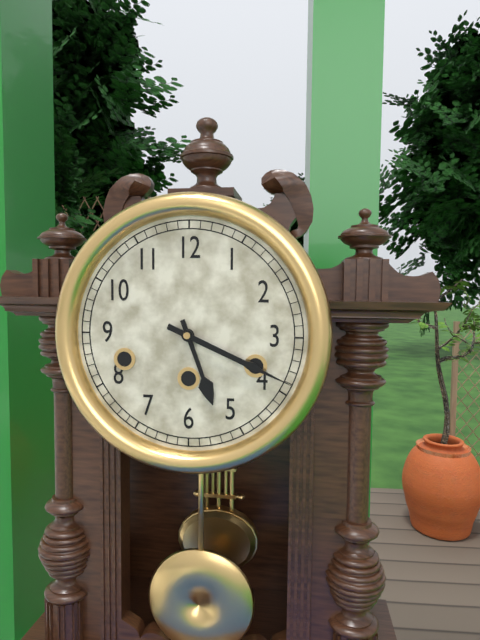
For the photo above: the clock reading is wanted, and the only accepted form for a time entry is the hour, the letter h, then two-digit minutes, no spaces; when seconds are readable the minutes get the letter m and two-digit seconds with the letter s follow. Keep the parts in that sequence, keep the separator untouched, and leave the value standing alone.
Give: 5h19
